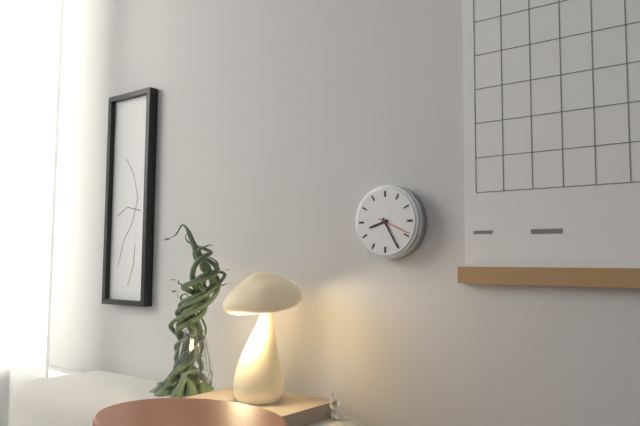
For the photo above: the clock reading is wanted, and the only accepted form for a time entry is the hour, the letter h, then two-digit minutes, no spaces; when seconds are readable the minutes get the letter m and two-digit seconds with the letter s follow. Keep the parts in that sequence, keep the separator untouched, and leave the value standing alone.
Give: 8h25
